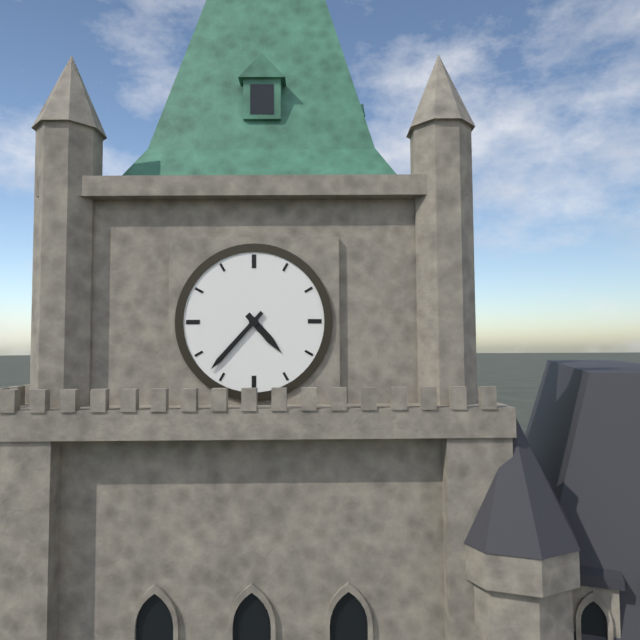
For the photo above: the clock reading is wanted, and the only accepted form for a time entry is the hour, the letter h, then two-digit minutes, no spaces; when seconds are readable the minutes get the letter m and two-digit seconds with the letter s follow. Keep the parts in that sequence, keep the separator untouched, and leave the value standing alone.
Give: 4h37
